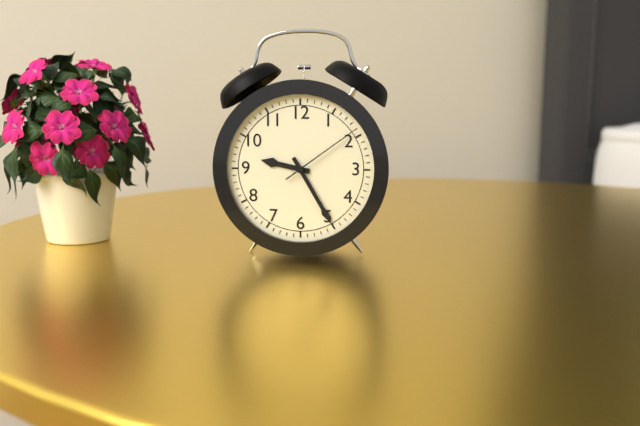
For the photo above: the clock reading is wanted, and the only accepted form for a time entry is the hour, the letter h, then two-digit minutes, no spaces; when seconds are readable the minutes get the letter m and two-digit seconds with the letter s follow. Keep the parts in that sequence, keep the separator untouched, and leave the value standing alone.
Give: 9h25m09s
